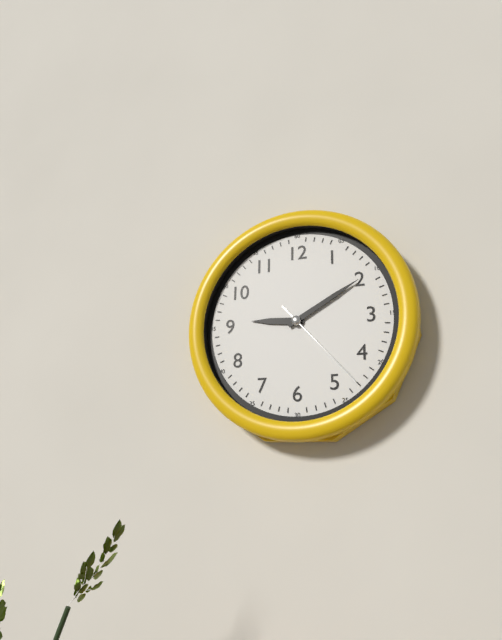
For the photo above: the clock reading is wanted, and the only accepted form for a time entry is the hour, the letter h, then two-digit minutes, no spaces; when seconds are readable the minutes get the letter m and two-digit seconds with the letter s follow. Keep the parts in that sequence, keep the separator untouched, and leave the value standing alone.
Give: 9h10m23s
